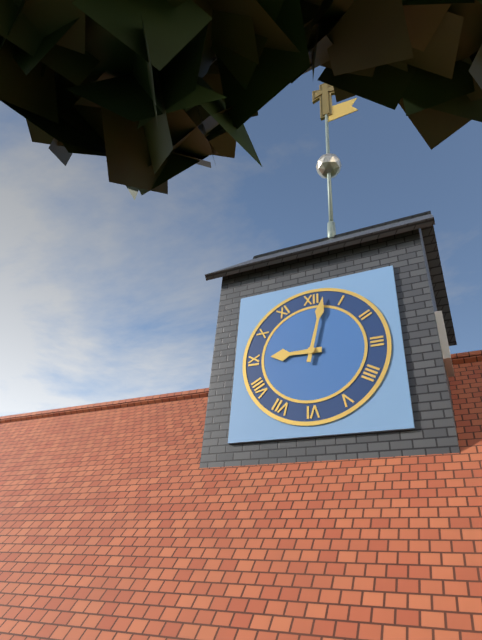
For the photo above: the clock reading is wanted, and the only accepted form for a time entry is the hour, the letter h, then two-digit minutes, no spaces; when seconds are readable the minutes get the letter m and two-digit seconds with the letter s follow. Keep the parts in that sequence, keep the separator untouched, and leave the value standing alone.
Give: 9h02
